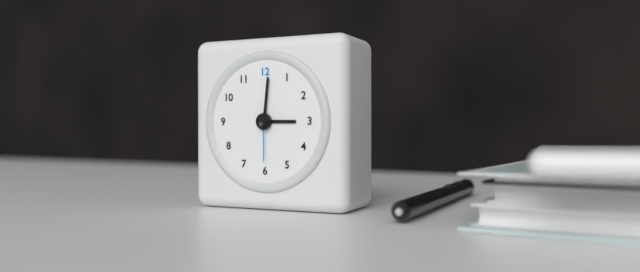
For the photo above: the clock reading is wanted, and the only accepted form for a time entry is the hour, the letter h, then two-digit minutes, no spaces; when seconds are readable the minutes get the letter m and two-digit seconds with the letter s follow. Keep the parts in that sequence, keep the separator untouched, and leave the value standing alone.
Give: 3h01m30s
